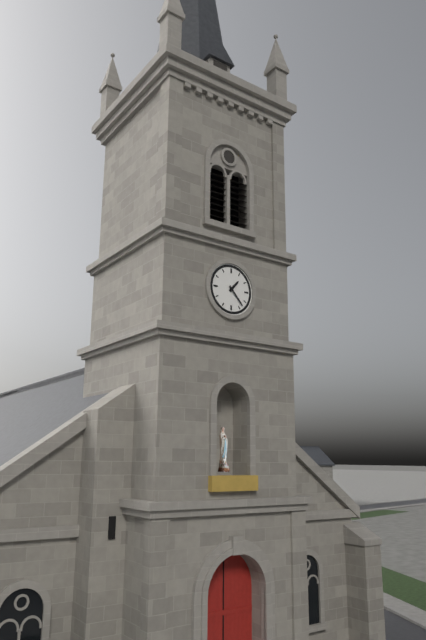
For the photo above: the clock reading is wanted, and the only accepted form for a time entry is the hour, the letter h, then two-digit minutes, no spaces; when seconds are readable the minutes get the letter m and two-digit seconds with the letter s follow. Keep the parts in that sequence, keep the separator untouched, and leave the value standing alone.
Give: 1h23
